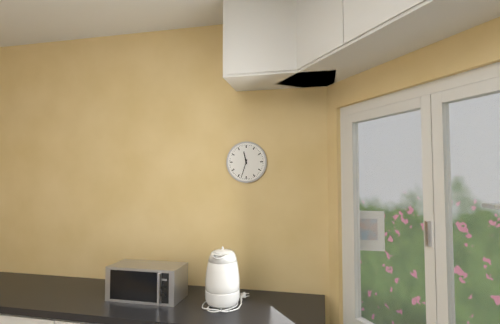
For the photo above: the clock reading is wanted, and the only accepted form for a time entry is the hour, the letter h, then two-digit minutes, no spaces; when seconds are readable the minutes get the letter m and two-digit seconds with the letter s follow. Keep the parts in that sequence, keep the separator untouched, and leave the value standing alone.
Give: 11h33
